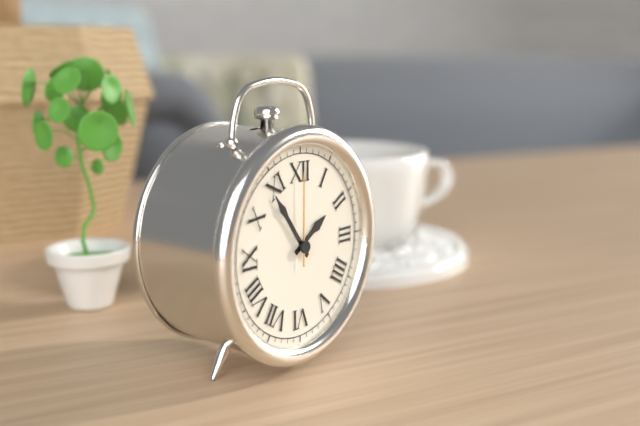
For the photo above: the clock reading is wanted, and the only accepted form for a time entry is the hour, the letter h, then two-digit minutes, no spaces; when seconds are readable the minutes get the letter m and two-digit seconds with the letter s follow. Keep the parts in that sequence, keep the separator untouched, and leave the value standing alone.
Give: 1h54m00s
